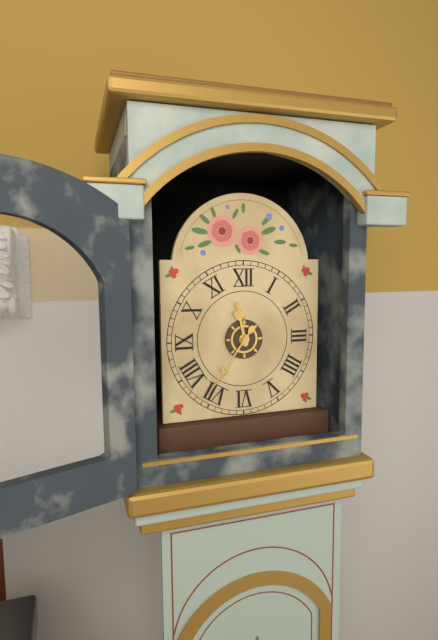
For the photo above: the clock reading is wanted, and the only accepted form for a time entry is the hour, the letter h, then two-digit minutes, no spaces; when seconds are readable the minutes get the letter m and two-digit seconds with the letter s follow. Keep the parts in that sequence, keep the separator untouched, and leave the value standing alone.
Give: 11h36
